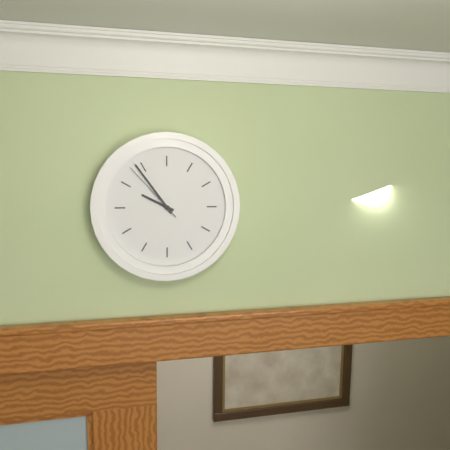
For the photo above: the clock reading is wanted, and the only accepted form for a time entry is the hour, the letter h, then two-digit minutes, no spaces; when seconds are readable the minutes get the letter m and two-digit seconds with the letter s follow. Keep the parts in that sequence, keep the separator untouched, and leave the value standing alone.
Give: 9h54m53s
